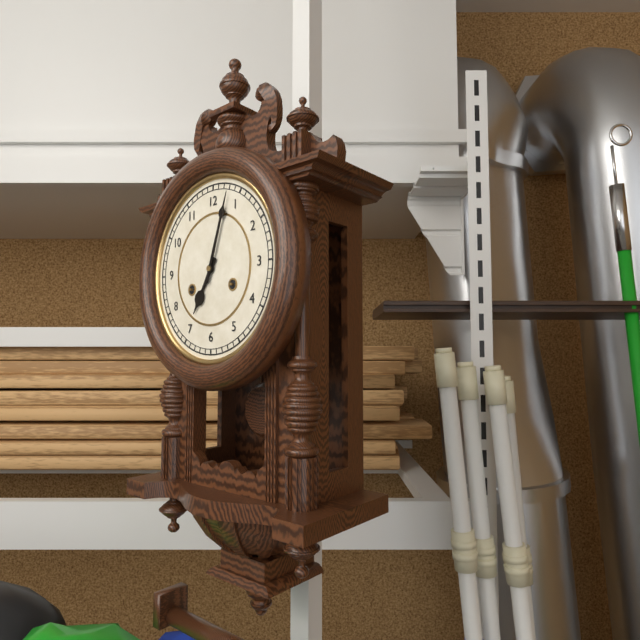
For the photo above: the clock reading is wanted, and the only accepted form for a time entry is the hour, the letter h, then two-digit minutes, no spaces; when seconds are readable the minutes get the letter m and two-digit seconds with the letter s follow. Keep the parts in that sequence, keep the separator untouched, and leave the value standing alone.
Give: 7h03
